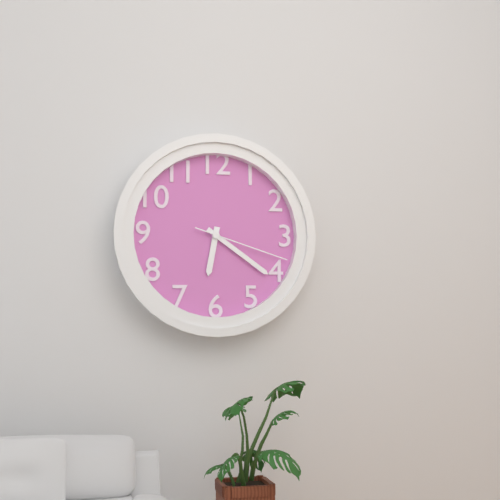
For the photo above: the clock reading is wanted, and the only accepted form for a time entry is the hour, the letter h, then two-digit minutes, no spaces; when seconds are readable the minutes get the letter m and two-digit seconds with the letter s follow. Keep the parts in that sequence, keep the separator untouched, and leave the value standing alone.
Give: 6h21m18s
